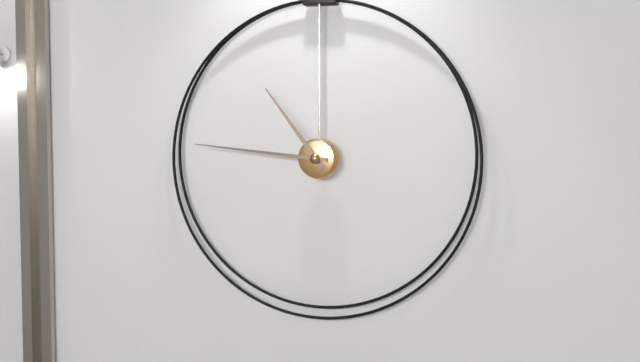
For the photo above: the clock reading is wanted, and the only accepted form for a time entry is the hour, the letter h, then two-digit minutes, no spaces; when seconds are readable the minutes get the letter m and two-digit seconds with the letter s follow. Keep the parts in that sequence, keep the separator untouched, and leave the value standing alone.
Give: 10h46
